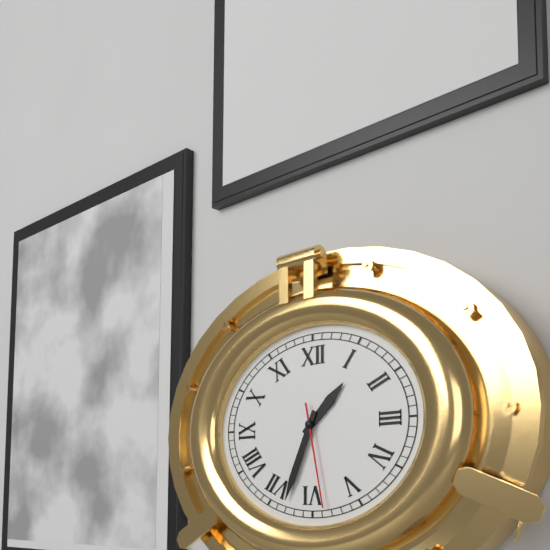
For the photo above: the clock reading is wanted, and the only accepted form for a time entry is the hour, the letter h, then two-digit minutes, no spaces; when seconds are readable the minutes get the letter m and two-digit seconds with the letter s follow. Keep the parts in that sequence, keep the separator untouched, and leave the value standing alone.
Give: 1h34m28s
